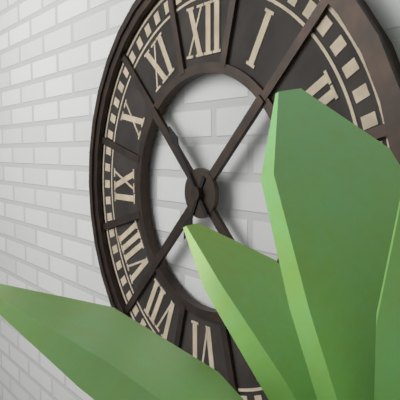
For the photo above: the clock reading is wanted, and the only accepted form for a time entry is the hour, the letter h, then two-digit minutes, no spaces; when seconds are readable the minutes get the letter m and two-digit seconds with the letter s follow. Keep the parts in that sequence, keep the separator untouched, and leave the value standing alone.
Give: 6h54
